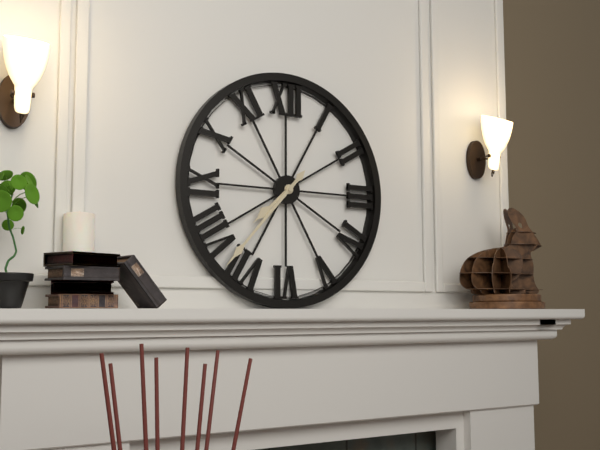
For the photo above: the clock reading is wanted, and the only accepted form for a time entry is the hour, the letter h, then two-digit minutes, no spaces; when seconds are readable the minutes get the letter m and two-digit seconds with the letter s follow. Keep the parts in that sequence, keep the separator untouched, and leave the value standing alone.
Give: 7h37
